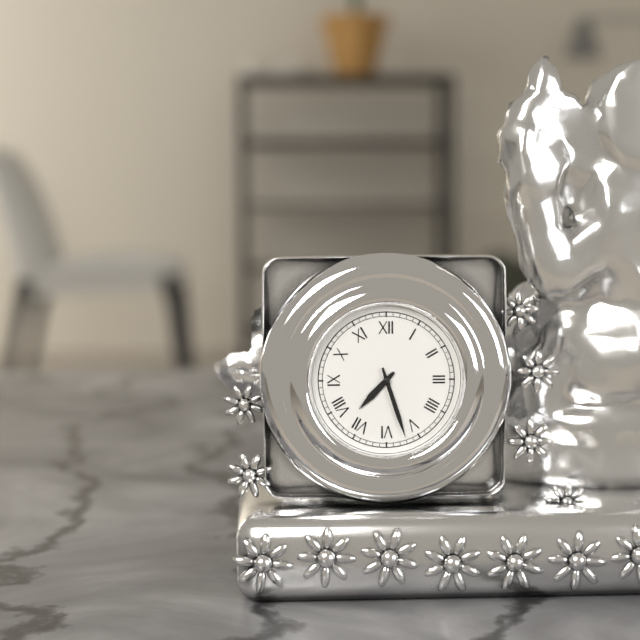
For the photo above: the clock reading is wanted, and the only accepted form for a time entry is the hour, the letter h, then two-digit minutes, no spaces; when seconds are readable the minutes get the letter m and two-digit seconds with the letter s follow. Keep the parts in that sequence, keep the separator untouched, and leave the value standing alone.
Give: 7h27
